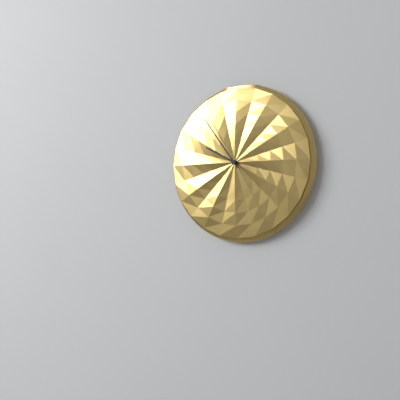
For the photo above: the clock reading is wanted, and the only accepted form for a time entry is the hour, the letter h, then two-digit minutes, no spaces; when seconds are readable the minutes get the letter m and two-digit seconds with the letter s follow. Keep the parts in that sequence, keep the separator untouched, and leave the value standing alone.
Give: 9h54
